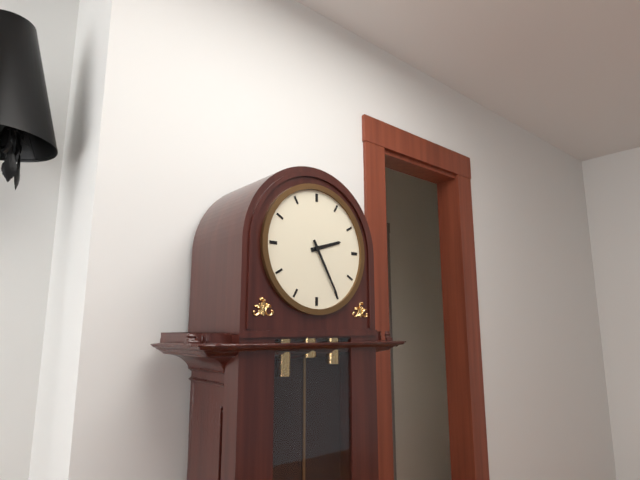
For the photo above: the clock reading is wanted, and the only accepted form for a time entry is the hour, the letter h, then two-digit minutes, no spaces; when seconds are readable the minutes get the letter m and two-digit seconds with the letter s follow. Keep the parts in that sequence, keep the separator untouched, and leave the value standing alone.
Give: 2h25
